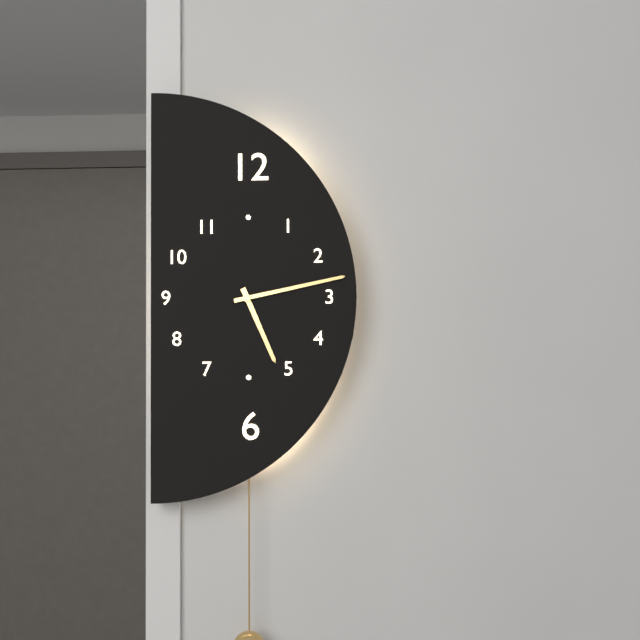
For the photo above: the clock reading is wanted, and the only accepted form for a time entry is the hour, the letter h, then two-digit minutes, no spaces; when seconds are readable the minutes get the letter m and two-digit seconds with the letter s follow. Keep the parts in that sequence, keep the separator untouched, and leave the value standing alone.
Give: 5h13
